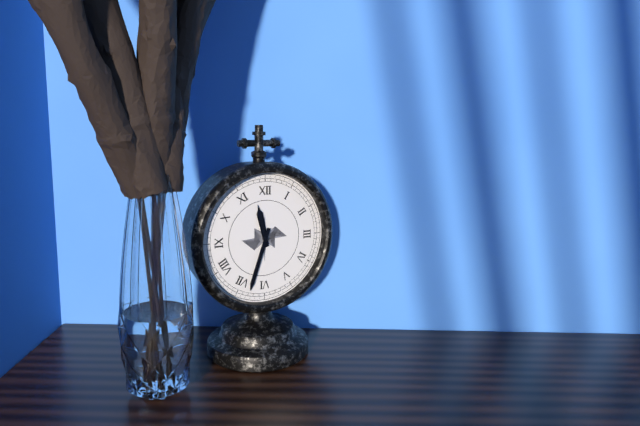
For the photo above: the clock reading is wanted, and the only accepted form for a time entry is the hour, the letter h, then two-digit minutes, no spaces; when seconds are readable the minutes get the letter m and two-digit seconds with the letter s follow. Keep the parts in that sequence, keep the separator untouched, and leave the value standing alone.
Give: 11h33
